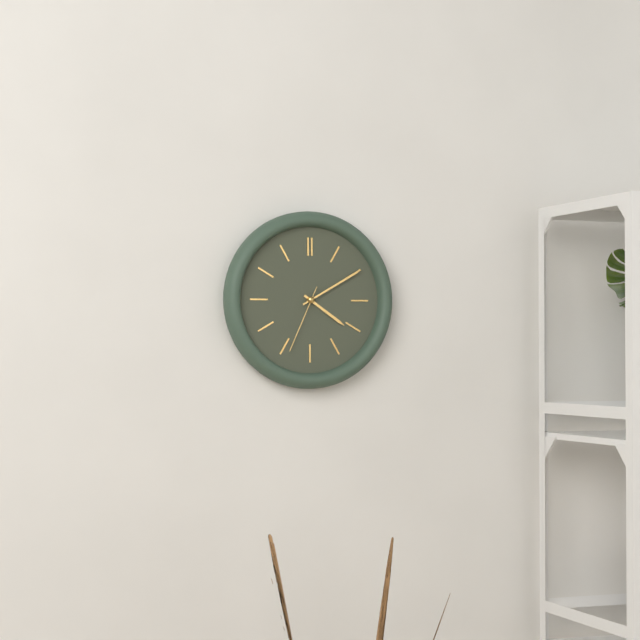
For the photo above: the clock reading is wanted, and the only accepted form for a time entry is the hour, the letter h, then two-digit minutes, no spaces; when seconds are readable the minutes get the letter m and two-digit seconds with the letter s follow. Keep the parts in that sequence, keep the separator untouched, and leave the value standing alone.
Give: 4h10m34s
